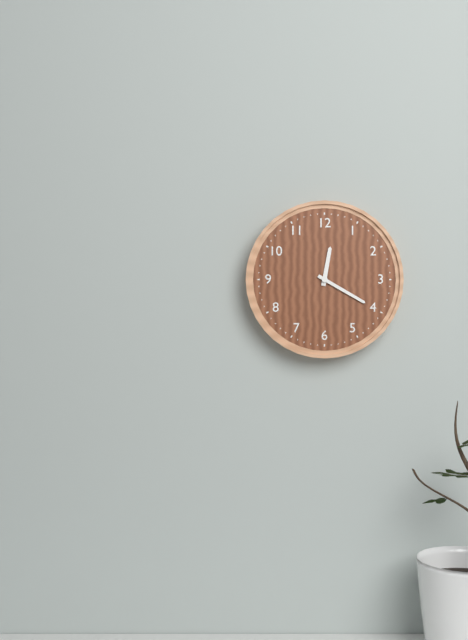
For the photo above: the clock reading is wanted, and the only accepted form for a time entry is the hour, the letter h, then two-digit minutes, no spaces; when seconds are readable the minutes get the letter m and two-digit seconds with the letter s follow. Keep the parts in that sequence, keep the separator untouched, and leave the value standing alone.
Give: 12h20
